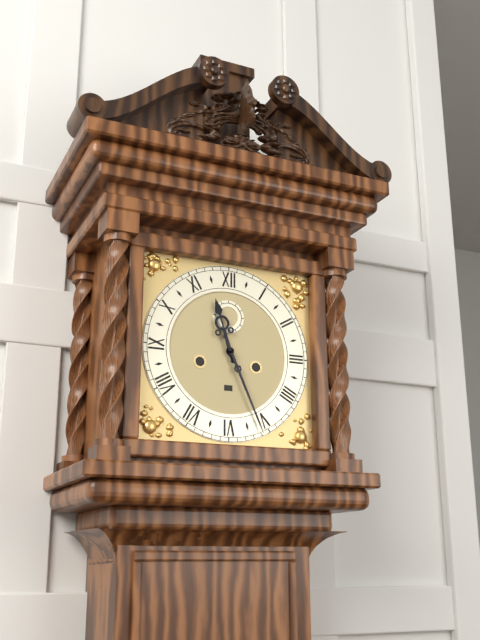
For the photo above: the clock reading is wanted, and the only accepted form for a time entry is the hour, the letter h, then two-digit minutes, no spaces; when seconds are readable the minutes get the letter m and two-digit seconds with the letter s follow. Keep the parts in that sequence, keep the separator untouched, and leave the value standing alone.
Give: 11h26
